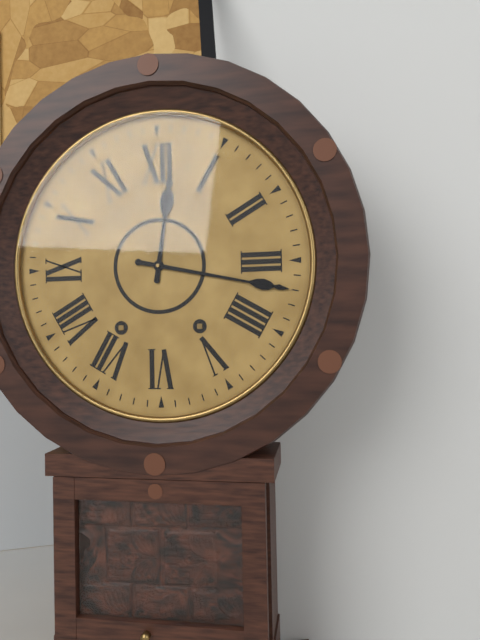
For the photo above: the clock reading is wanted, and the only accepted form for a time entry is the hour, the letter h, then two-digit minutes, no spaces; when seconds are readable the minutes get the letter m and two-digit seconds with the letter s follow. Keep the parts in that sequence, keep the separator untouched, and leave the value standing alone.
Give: 12h17
